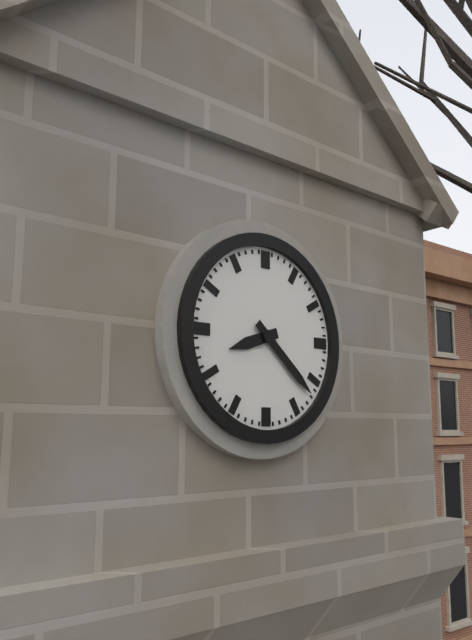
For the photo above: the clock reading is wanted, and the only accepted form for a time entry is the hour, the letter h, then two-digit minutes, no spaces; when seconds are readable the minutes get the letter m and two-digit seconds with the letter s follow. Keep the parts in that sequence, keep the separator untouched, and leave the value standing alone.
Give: 8h22
